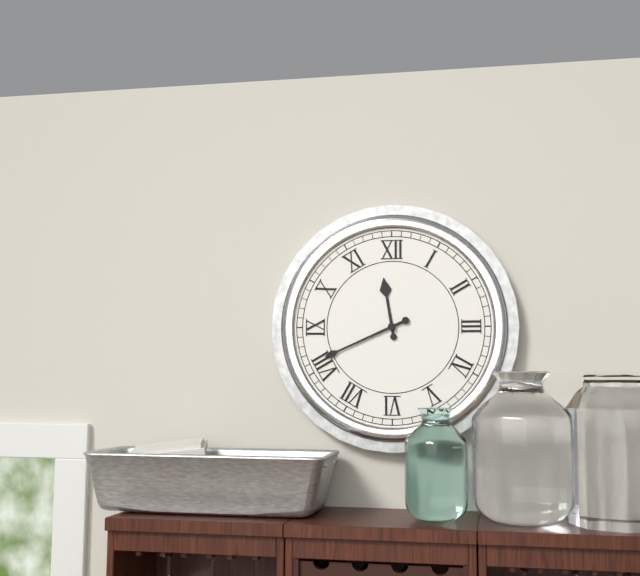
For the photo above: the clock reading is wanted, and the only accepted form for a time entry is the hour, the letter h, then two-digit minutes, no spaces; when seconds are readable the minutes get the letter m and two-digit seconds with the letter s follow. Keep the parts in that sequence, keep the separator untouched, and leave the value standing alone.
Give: 11h41
